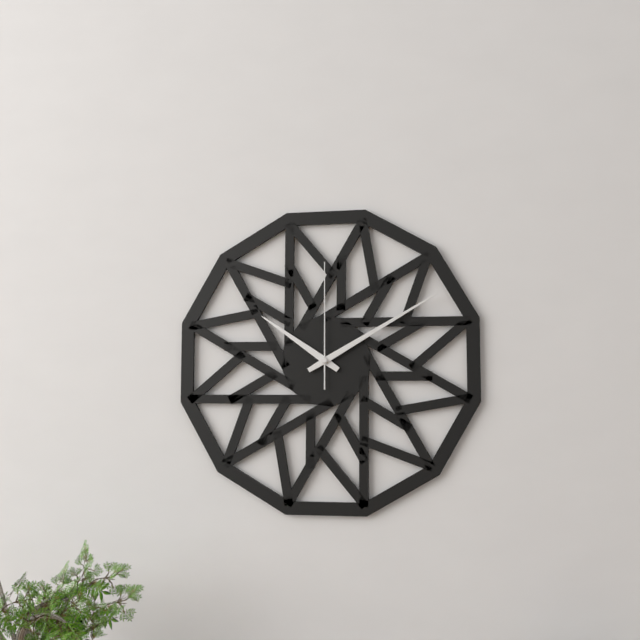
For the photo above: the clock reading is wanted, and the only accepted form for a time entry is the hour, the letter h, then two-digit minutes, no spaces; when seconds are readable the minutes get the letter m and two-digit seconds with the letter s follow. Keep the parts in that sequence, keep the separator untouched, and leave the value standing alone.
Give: 10h10m00s
